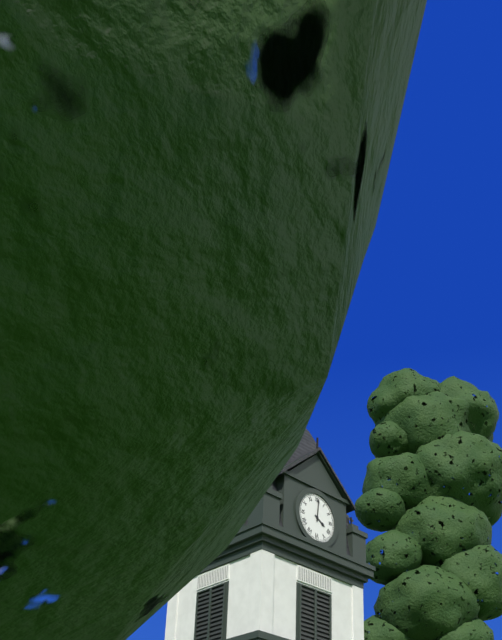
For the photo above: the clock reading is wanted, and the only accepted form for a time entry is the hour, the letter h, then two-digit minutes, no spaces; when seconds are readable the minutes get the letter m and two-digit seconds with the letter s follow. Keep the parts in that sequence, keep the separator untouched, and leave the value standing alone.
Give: 4h01
